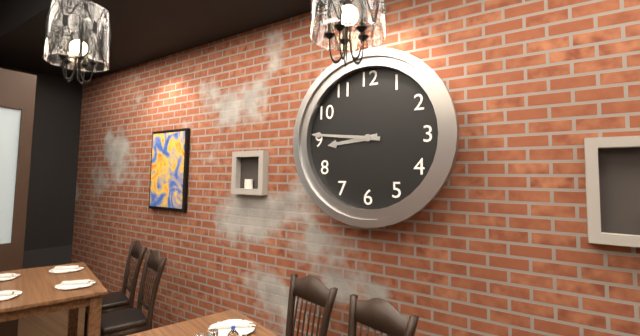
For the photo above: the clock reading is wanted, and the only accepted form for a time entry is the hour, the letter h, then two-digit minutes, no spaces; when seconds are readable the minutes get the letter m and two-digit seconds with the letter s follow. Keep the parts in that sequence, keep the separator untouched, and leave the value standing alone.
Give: 8h46
